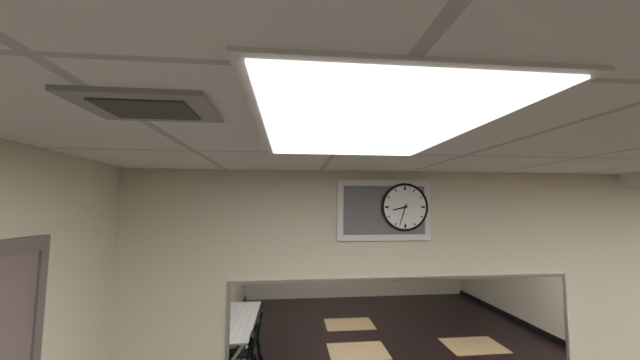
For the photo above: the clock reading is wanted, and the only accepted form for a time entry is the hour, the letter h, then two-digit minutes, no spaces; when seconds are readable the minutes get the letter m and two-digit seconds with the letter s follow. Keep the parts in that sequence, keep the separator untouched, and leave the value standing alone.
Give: 8h33
